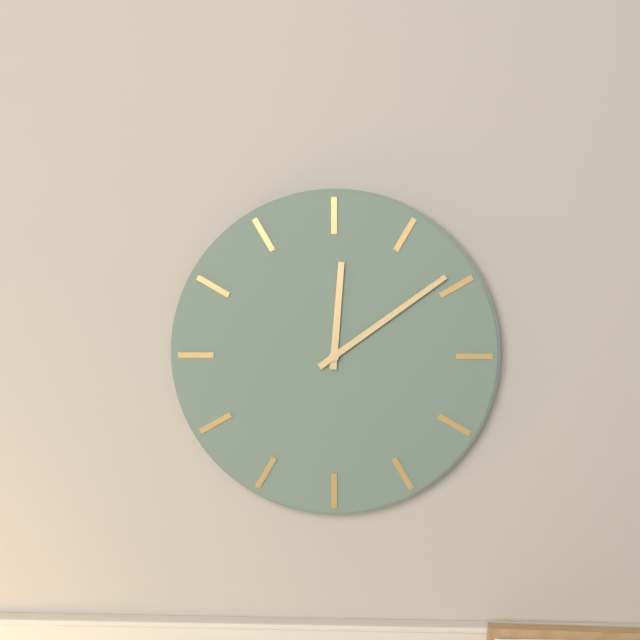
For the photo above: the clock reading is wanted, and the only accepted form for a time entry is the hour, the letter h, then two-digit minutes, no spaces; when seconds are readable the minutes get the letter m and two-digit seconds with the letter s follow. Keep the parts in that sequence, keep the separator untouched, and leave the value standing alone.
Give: 12h09
